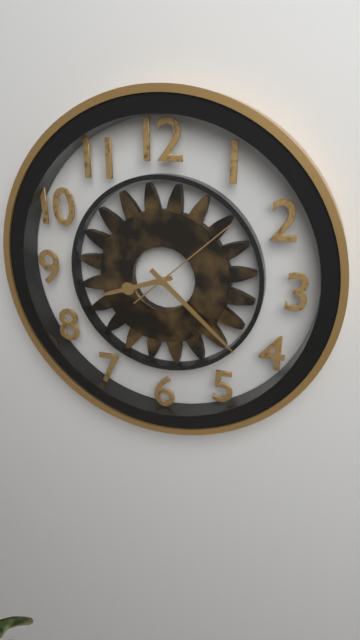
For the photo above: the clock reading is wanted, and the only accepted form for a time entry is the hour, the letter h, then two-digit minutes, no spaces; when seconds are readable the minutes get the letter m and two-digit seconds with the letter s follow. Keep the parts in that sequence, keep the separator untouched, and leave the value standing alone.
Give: 8h22m08s
